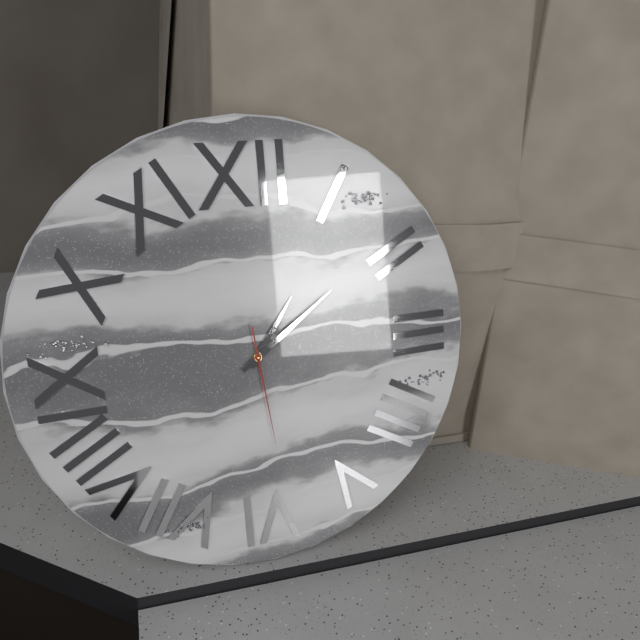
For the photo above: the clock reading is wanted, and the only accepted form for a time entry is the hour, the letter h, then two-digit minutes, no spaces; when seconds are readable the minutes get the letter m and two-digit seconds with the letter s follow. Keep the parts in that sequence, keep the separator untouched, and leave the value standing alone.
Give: 1h09m29s
